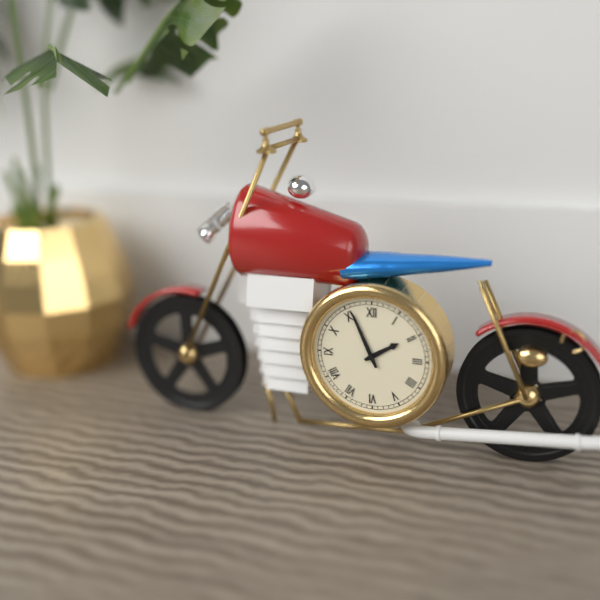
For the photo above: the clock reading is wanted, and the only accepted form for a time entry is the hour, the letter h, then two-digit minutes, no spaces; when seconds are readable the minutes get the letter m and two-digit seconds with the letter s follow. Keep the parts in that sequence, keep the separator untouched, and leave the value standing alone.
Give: 1h56
